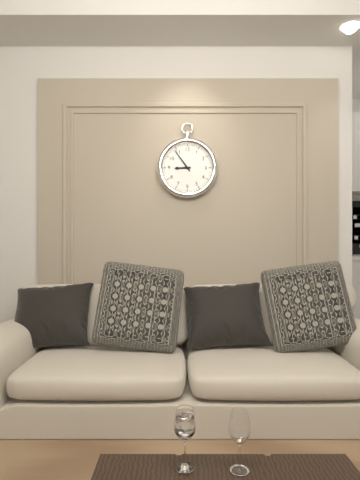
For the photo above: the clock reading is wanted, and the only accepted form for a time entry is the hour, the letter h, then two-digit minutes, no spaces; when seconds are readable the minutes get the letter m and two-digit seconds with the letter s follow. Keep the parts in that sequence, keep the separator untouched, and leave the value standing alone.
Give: 8h54
